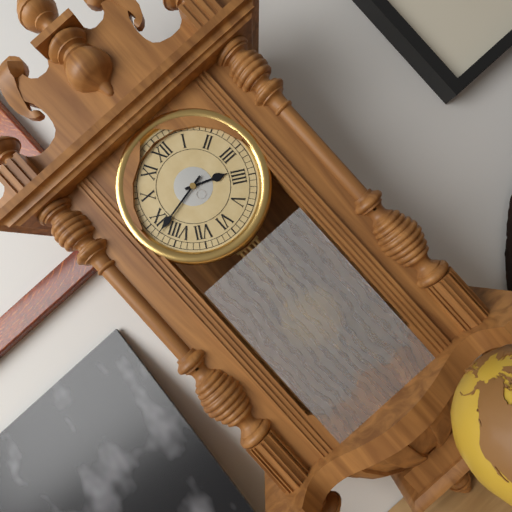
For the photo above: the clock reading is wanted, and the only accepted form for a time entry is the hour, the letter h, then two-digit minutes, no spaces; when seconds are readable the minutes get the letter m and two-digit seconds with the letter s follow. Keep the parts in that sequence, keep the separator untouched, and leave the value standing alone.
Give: 3h43
